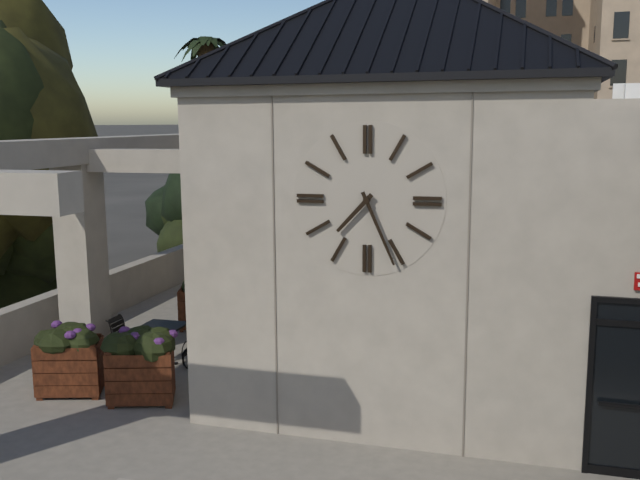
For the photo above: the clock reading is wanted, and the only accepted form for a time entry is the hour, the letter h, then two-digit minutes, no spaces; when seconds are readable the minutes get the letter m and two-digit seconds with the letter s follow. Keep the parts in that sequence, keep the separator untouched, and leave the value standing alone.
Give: 7h26
